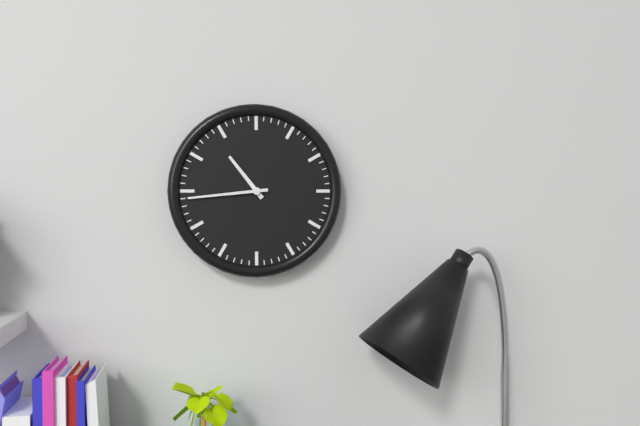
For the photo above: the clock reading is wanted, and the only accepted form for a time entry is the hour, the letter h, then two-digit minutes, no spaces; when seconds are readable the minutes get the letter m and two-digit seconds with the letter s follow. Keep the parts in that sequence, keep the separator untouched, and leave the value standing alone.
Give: 10h44
